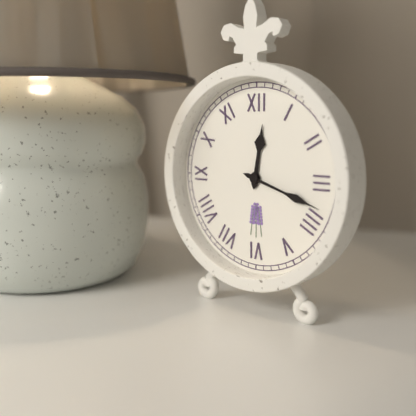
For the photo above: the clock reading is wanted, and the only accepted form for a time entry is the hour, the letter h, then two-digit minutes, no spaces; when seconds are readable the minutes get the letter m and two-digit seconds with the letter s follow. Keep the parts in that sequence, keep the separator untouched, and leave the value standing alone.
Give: 12h18
